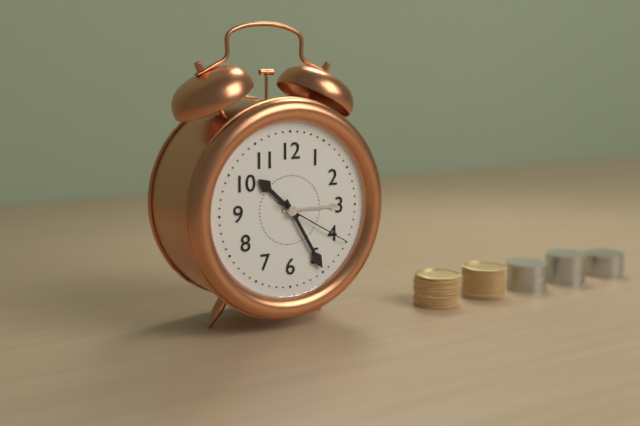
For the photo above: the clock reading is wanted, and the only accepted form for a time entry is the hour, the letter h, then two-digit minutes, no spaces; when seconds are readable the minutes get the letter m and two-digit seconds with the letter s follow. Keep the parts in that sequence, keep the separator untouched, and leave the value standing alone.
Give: 10h25m20s
